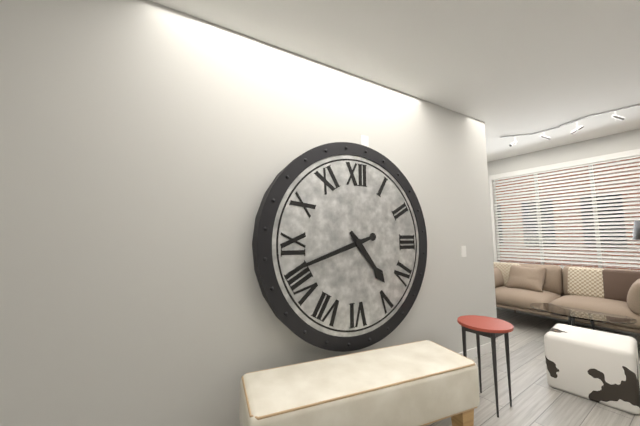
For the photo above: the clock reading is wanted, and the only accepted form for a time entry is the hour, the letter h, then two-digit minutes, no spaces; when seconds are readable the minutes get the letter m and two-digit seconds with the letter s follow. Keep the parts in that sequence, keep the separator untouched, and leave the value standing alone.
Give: 4h42
